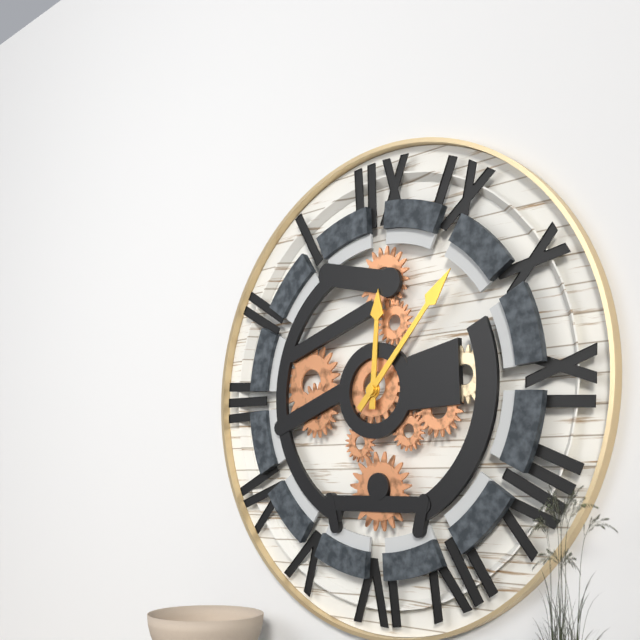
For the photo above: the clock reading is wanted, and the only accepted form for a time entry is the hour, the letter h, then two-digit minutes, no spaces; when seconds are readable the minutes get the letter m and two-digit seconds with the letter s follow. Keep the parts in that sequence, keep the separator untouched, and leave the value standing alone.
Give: 12h07
